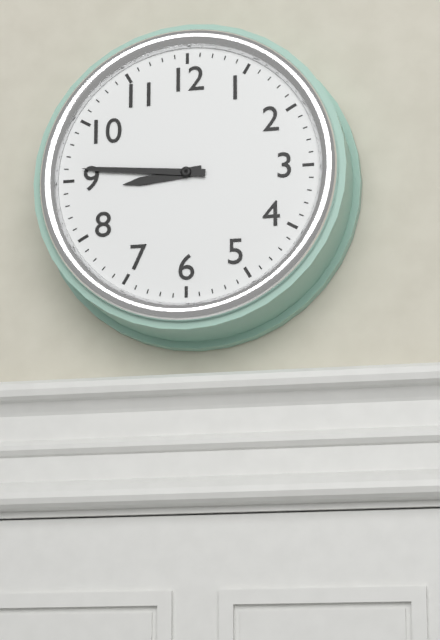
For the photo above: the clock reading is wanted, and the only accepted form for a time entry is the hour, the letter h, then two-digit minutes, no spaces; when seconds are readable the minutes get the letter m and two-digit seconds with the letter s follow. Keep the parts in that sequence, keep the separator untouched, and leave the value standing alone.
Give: 8h46
